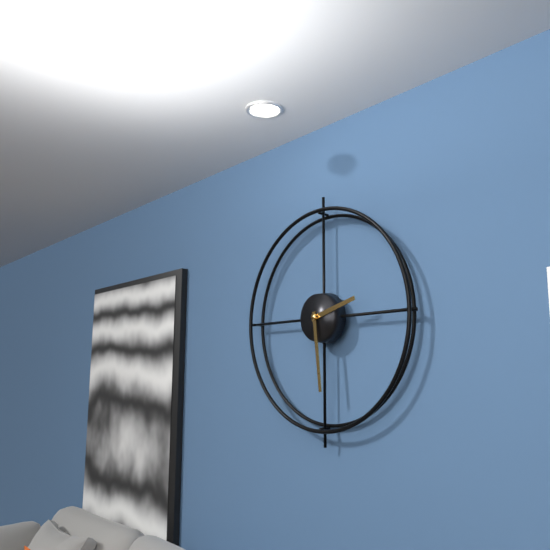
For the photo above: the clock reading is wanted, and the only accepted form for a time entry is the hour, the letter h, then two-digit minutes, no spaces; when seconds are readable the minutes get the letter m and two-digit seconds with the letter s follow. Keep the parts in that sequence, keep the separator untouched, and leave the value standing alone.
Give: 2h29
